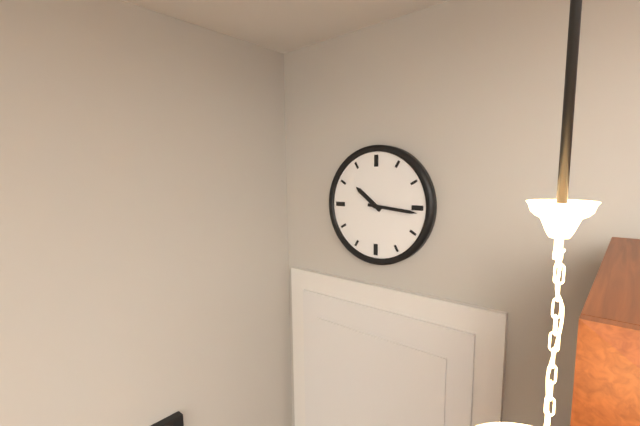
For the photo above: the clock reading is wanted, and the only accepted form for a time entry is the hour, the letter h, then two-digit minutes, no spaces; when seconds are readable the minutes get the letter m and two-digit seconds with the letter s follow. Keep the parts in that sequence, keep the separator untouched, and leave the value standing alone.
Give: 10h16
